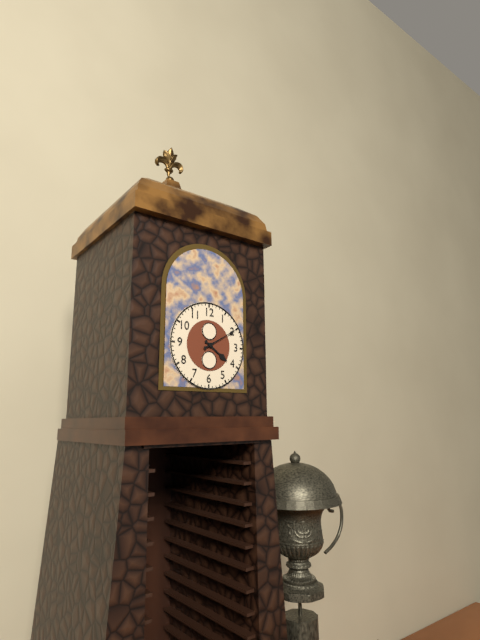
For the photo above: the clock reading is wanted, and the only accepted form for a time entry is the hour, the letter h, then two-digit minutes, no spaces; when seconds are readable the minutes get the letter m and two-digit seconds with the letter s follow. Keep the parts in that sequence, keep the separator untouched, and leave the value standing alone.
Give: 4h10
